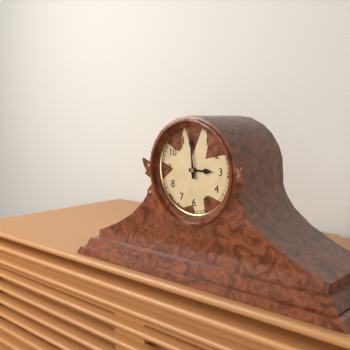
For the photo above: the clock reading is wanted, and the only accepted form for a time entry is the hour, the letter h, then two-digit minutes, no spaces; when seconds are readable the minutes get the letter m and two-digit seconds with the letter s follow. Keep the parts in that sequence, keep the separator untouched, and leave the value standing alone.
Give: 2h59
